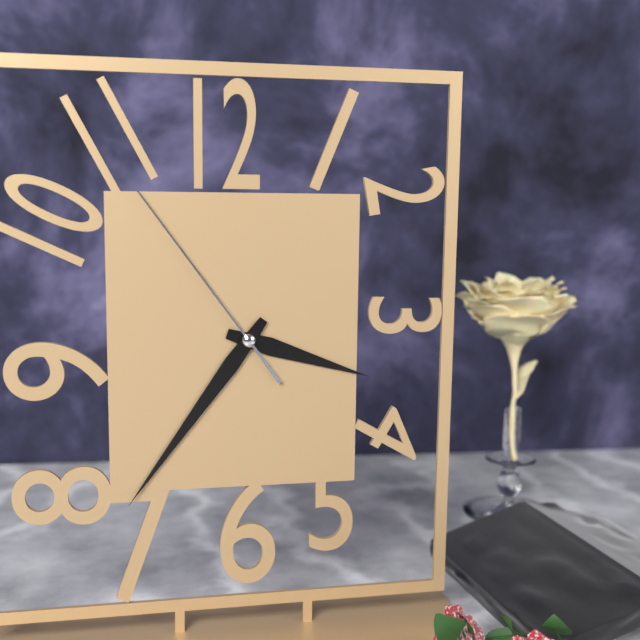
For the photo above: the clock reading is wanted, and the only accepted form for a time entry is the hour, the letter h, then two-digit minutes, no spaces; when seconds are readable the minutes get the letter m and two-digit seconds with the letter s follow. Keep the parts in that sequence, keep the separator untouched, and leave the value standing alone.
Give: 3h36m54s
